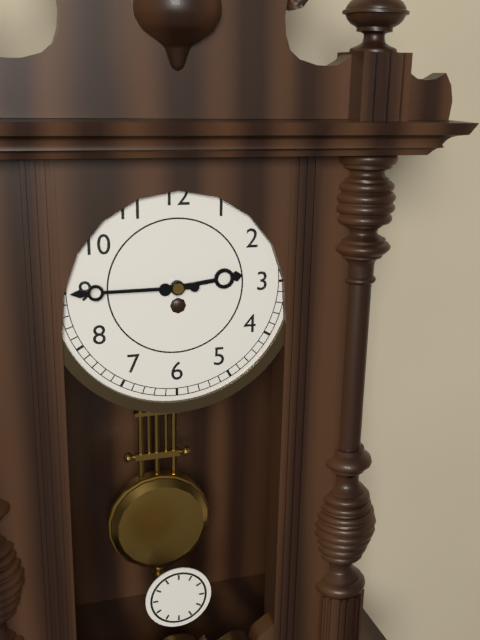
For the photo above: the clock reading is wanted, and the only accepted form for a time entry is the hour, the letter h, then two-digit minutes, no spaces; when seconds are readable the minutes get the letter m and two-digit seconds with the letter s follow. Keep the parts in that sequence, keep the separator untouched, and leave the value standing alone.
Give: 2h45
